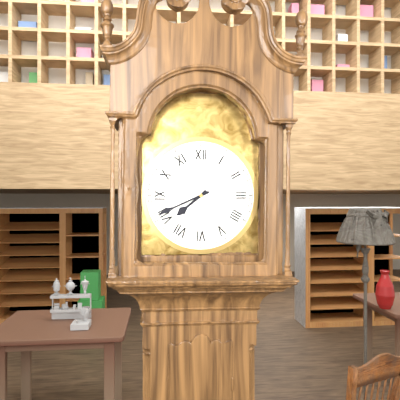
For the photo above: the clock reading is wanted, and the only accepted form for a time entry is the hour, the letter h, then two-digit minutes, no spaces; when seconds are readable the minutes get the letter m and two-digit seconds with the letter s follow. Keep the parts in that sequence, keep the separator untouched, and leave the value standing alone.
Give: 7h41
